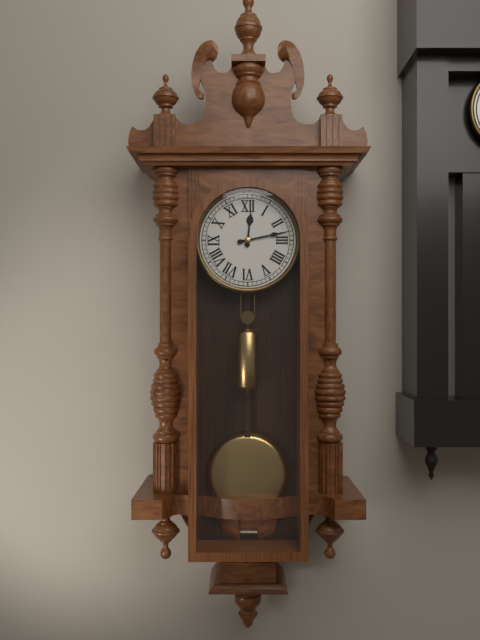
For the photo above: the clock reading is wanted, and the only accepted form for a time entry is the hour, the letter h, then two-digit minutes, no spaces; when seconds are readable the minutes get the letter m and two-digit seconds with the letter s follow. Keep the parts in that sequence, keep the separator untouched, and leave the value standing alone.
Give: 12h13
